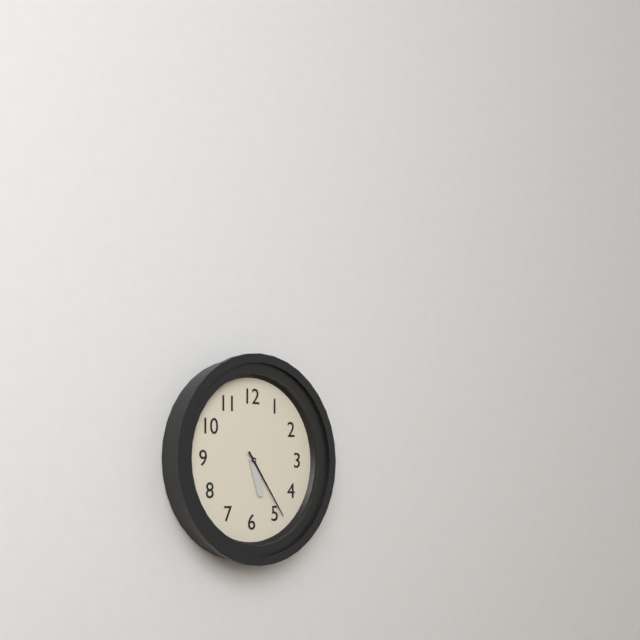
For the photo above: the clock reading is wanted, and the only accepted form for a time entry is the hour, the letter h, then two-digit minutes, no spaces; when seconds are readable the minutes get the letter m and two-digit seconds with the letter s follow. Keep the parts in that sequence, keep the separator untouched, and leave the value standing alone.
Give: 5h24
